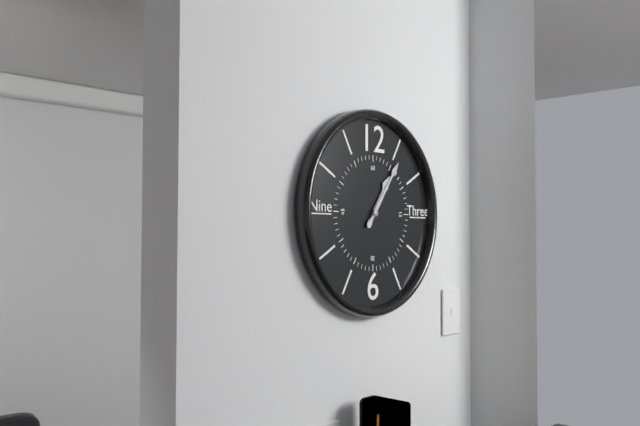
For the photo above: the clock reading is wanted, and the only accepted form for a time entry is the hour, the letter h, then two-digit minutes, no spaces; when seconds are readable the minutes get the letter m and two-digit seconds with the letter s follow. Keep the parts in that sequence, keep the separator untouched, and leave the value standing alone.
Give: 1h06
